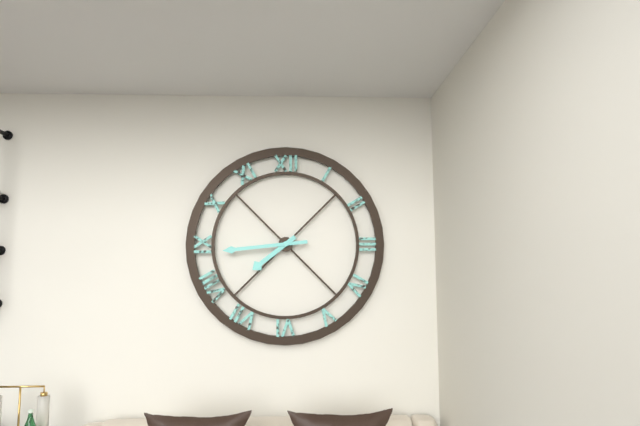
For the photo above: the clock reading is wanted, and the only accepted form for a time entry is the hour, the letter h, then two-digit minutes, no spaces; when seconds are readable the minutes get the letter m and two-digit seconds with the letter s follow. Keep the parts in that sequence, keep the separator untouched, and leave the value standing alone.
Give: 7h44
